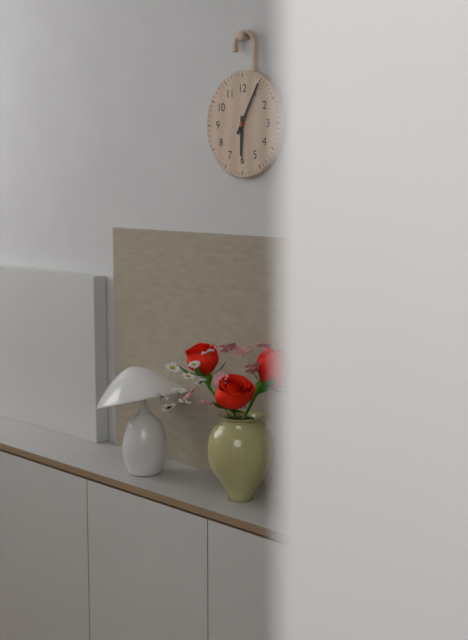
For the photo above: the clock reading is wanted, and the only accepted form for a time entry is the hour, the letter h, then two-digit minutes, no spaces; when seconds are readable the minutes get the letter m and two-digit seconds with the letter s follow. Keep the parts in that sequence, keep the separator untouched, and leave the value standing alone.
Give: 6h05
